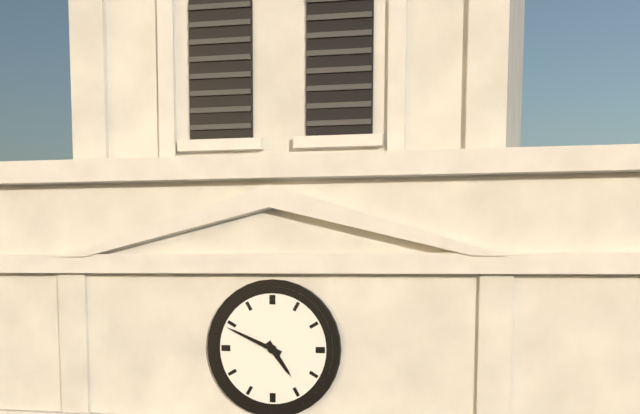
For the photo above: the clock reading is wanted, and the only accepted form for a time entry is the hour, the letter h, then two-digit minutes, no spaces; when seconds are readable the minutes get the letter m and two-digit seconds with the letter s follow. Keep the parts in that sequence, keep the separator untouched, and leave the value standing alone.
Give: 4h49
